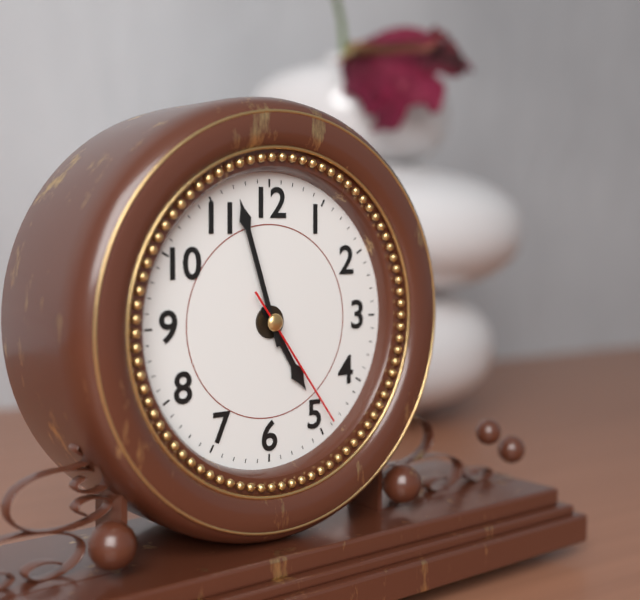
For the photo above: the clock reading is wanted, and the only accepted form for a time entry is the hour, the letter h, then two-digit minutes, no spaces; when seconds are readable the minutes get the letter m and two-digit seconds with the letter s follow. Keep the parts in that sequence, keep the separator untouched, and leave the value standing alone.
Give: 4h57m24s
